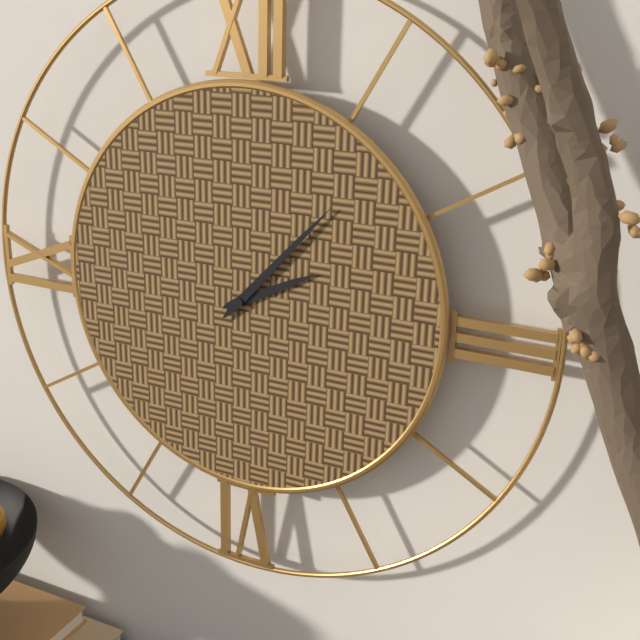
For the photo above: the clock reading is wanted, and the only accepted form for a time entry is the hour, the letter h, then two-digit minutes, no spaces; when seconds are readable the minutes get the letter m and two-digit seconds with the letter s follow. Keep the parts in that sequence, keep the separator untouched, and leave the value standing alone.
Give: 2h07
